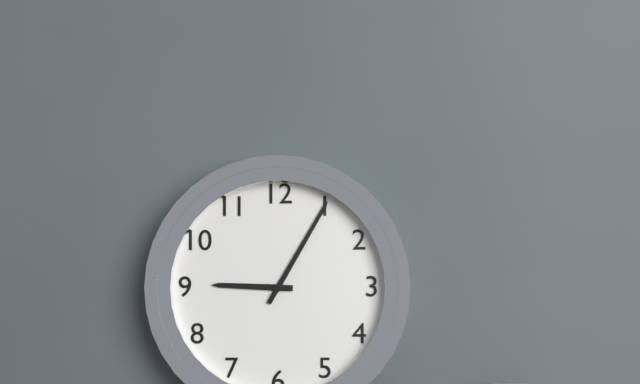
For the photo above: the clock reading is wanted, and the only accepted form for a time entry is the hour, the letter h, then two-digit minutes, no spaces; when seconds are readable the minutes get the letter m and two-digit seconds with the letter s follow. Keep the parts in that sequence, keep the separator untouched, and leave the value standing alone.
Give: 9h05
